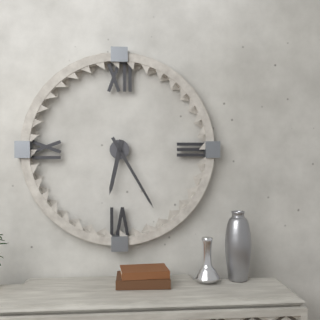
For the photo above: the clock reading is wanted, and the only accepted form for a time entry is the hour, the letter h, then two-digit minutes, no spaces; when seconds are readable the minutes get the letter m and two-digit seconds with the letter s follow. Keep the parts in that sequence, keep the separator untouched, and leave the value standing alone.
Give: 6h25
